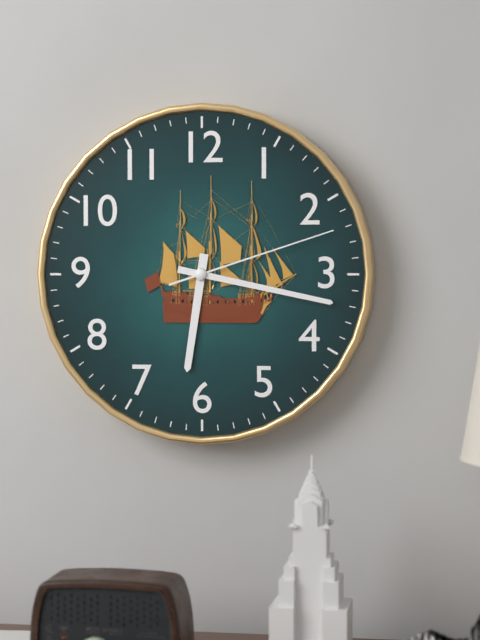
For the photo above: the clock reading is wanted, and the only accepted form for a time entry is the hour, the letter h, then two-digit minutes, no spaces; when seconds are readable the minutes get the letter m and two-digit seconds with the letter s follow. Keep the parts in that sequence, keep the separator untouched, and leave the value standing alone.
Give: 6h17m12s
